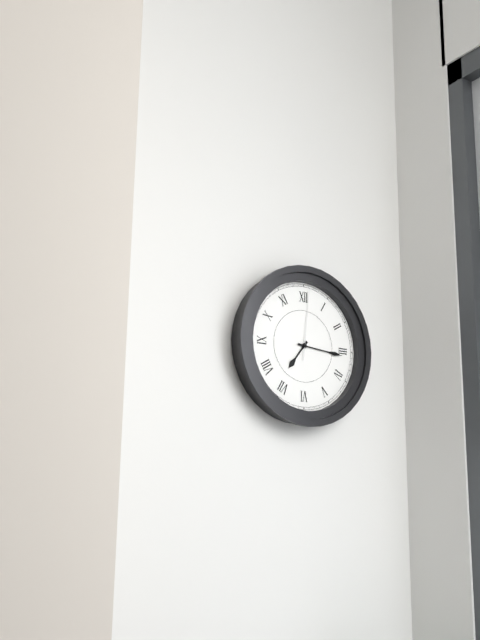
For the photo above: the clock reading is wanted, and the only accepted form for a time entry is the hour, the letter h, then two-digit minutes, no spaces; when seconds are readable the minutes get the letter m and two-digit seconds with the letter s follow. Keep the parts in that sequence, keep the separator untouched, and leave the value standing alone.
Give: 7h16m01s
